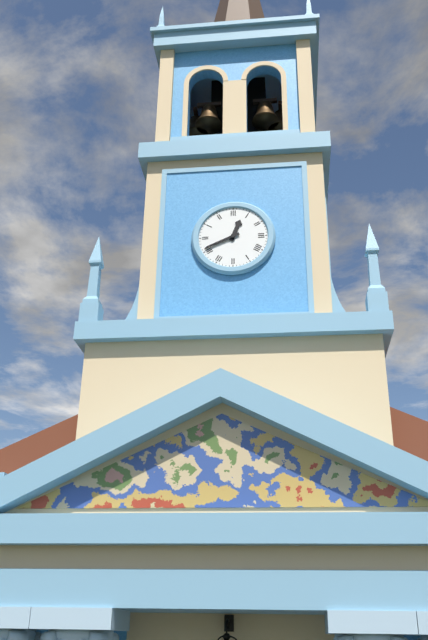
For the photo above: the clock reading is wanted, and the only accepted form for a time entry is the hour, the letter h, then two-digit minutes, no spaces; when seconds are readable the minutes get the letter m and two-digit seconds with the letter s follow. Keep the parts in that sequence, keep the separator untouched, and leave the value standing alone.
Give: 12h41
